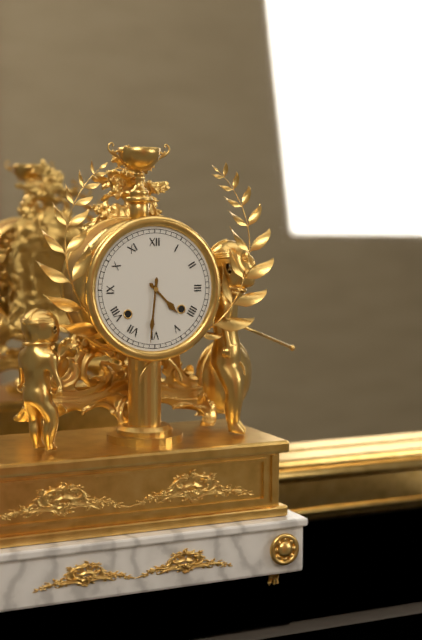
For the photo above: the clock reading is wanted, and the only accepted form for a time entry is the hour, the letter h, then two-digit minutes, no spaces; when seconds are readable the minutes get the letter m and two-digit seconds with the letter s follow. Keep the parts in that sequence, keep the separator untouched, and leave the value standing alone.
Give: 4h31
